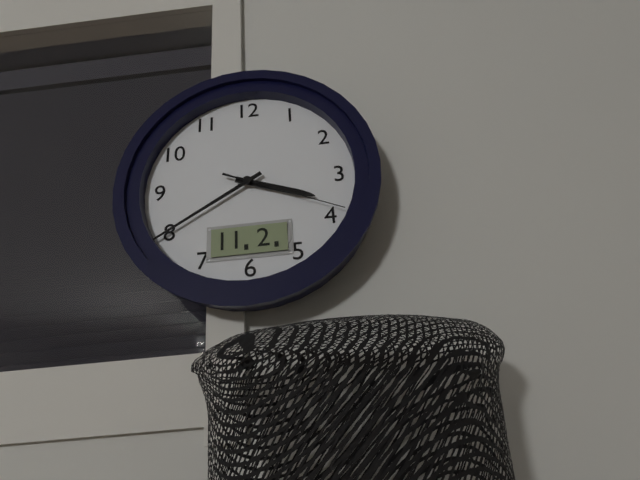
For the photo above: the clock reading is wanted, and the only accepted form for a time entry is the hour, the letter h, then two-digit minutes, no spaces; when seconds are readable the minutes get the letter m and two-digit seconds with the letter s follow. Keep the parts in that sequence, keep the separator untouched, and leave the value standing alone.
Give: 3h40m19s
